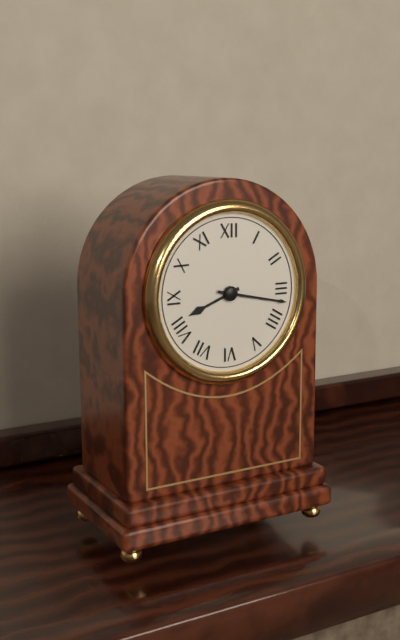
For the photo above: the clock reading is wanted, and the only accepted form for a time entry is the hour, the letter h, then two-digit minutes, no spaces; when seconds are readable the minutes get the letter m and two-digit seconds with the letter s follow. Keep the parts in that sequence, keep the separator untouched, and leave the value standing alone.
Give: 8h17
